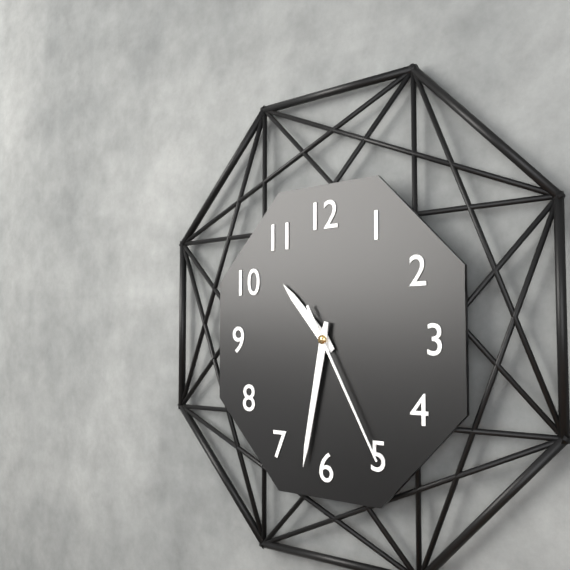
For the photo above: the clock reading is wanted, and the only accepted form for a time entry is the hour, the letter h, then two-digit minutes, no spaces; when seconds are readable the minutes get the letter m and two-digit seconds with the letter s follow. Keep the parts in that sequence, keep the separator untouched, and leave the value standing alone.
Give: 10h32m25s
